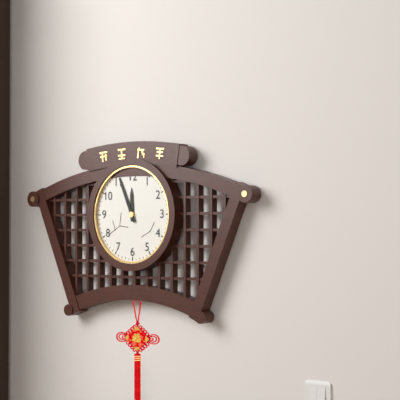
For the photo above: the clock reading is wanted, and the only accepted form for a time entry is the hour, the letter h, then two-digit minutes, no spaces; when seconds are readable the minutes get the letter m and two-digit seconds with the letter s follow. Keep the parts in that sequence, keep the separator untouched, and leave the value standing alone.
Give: 11h56
